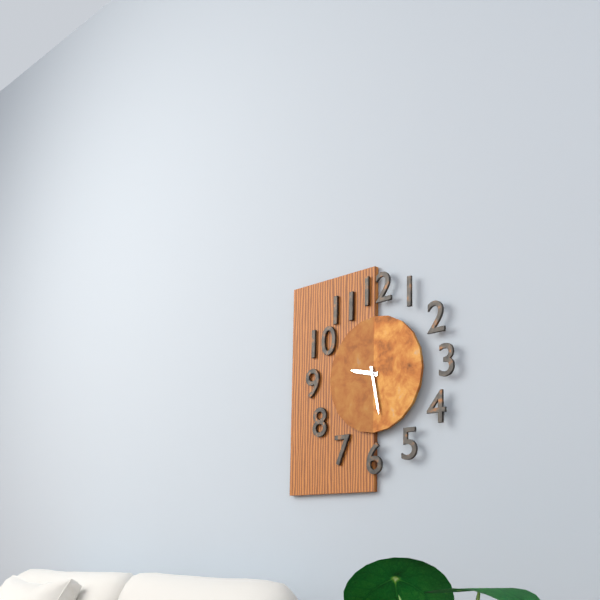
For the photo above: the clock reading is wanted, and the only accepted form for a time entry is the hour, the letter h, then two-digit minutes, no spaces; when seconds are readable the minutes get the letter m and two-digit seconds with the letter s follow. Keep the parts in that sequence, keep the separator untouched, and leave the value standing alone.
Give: 9h28
